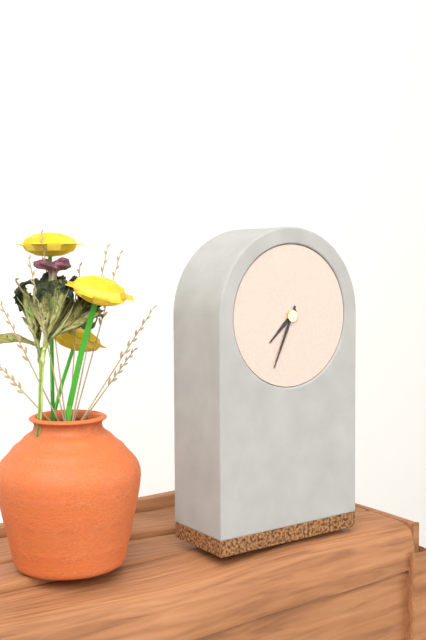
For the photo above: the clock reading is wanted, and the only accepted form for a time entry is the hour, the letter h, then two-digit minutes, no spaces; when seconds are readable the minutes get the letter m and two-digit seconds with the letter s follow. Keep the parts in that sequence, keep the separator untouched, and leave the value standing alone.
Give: 7h34
